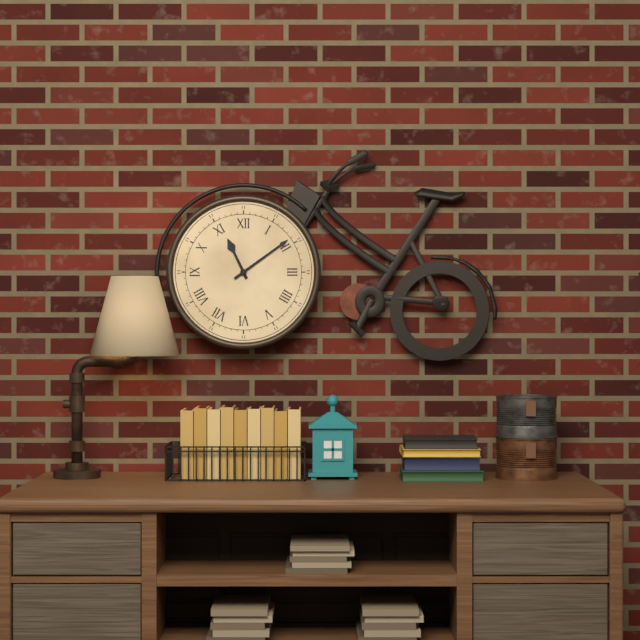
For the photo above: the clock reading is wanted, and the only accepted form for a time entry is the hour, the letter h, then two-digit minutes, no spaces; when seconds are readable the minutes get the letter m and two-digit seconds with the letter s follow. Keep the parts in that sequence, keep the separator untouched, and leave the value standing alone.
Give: 11h09
